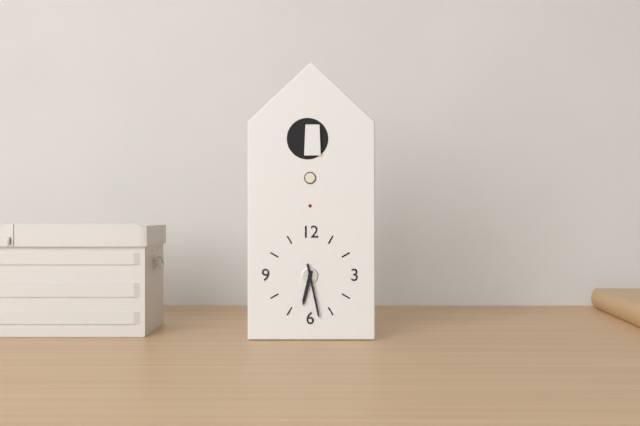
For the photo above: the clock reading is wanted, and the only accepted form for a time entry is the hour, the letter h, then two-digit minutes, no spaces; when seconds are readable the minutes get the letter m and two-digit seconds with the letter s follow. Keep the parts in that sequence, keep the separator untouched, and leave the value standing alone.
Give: 6h28
